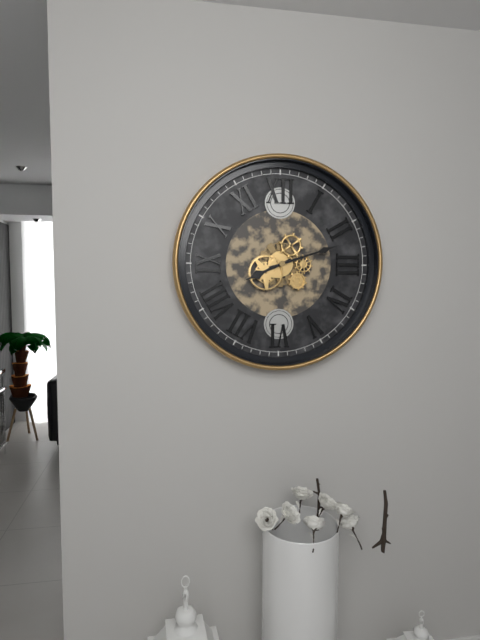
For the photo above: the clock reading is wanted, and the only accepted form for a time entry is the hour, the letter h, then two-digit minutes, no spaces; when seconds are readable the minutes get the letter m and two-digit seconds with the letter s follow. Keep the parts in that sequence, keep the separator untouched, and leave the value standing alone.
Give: 8h12
